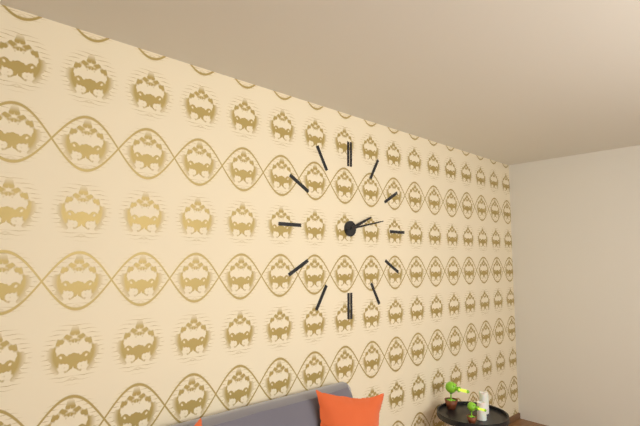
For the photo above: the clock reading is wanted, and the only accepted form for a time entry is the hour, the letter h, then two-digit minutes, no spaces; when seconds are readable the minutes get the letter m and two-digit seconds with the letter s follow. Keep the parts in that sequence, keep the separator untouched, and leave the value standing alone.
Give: 2h13
